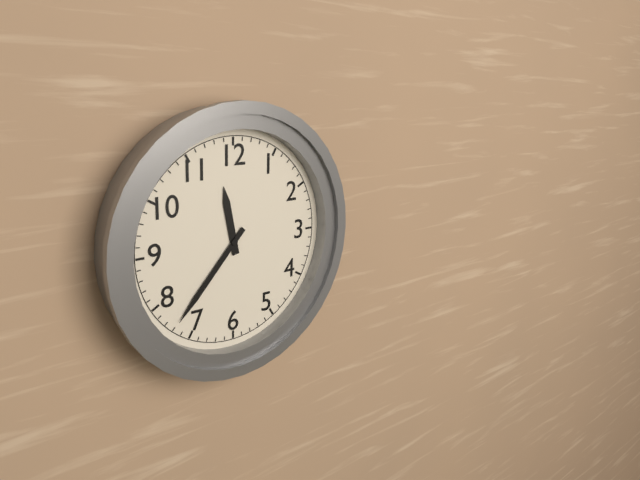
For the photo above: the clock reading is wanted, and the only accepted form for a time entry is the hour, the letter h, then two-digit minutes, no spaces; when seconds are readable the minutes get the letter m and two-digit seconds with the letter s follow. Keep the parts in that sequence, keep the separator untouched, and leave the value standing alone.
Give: 11h37
